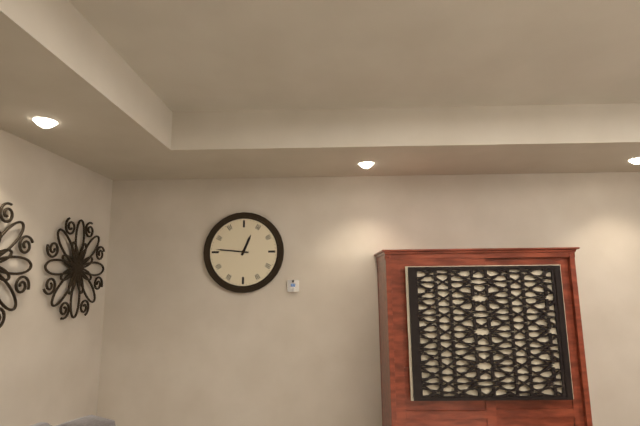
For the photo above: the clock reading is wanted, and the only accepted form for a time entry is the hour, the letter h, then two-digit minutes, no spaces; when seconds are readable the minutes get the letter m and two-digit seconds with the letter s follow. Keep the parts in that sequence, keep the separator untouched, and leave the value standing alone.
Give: 12h46
